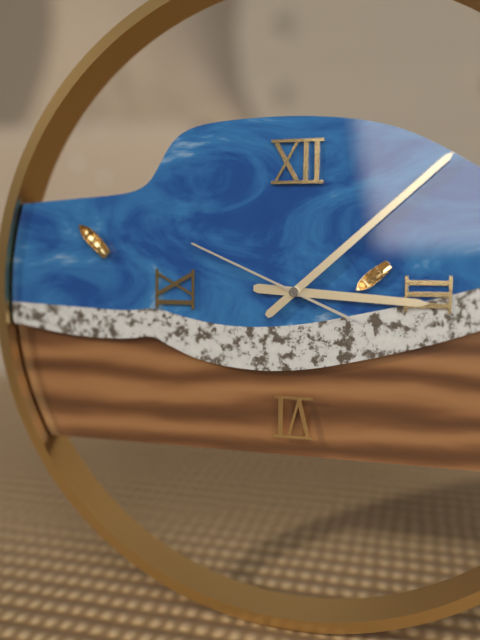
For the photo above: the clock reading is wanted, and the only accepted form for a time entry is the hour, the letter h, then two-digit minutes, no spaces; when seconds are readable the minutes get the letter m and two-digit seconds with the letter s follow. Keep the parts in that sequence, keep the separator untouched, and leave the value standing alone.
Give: 3h08m49s
